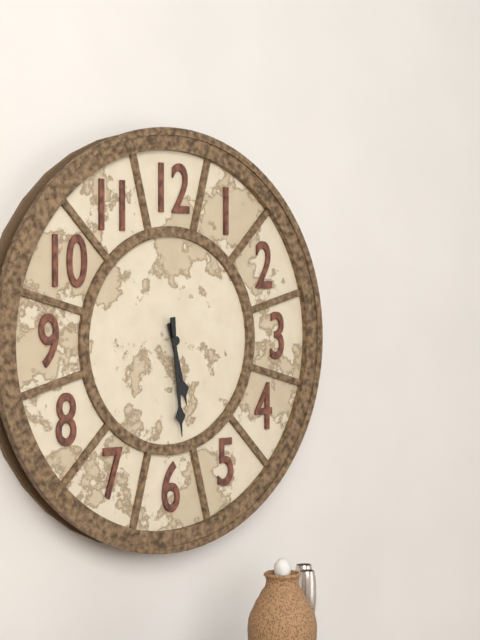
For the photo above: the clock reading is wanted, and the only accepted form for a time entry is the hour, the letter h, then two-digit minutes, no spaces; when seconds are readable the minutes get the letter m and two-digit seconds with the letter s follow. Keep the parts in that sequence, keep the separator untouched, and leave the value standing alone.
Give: 5h29
